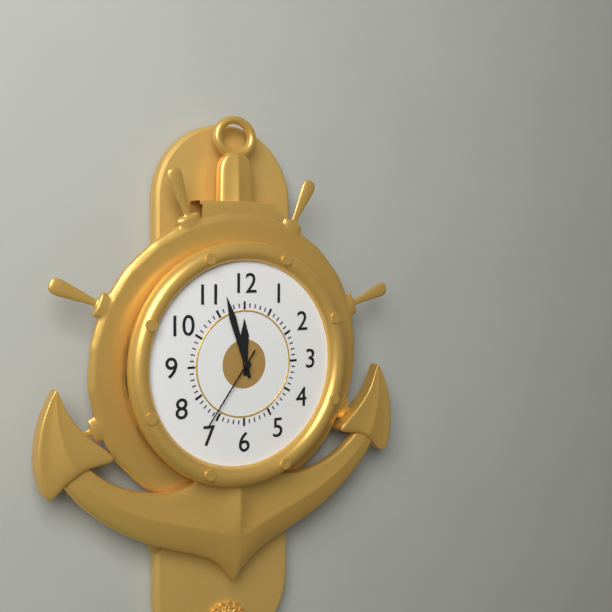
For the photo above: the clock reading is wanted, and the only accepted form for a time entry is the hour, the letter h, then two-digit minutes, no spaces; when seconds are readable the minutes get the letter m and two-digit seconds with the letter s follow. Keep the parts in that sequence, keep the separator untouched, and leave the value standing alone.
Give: 11h57m36s
